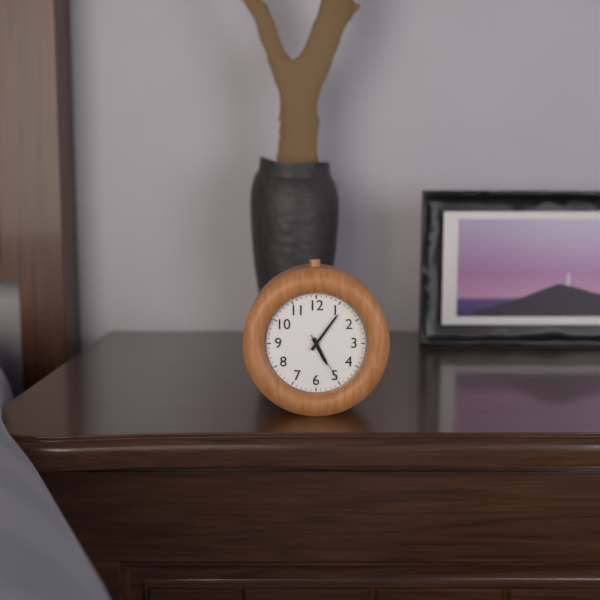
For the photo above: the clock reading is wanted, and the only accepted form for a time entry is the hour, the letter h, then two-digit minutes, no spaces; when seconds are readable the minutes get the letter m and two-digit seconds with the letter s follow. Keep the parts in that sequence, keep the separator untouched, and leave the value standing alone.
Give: 5h06m25s
